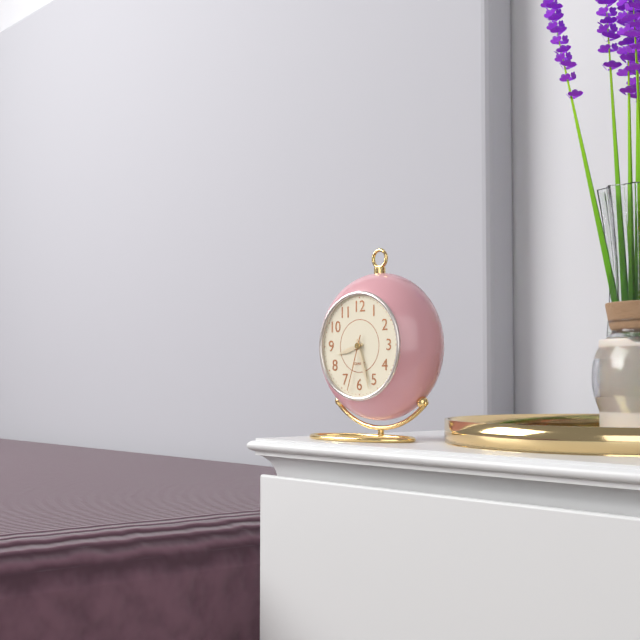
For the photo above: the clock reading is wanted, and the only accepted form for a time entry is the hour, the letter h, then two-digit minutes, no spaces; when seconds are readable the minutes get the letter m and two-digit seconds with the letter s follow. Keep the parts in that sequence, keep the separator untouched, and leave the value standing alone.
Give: 8h27m33s
